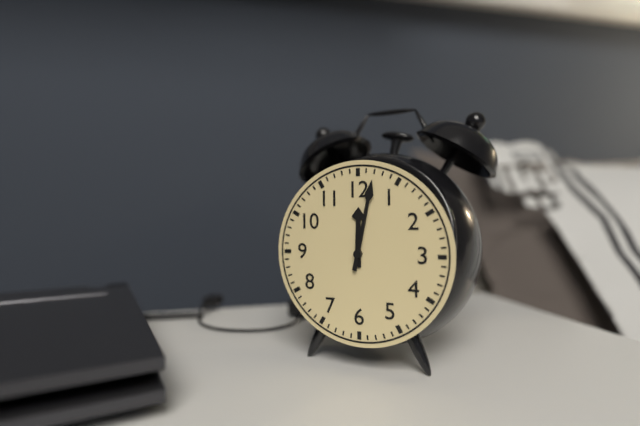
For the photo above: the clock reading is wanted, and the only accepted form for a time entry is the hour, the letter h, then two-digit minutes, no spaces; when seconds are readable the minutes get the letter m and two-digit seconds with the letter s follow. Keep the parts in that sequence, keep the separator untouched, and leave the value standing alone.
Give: 12h02
